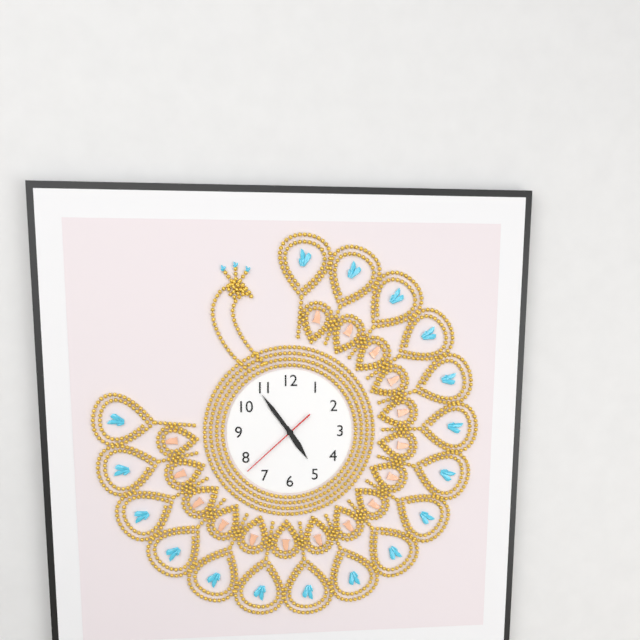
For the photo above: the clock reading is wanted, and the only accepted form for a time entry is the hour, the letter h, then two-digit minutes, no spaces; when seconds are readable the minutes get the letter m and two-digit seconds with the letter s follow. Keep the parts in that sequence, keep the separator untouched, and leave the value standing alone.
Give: 4h54m38s
